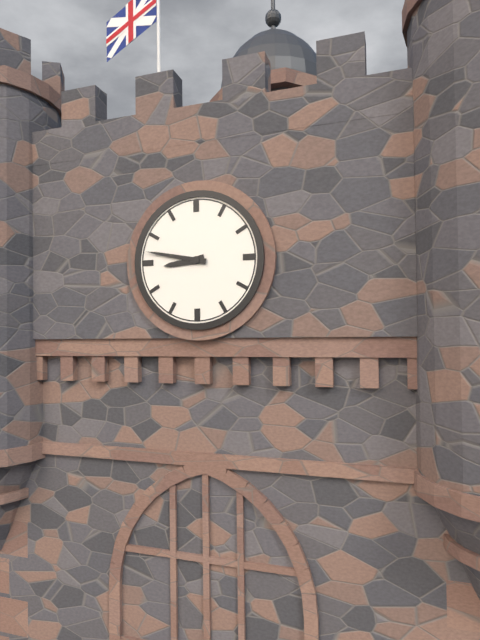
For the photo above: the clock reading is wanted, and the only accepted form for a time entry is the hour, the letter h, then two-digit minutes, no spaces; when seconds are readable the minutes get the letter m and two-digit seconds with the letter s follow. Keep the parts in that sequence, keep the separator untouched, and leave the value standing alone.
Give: 8h47
